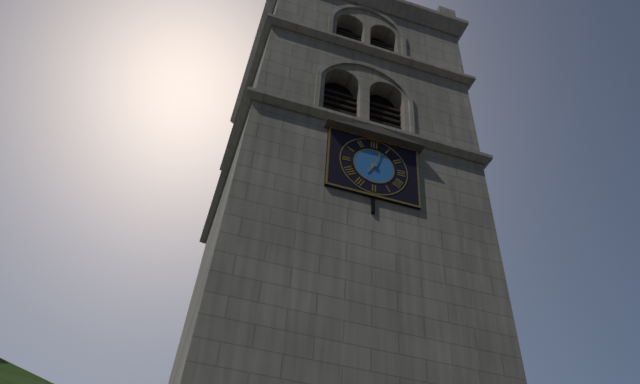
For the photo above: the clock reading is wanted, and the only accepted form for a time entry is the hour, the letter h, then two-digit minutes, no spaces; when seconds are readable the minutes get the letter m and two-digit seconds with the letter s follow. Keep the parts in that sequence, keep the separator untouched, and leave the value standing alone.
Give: 7h03
